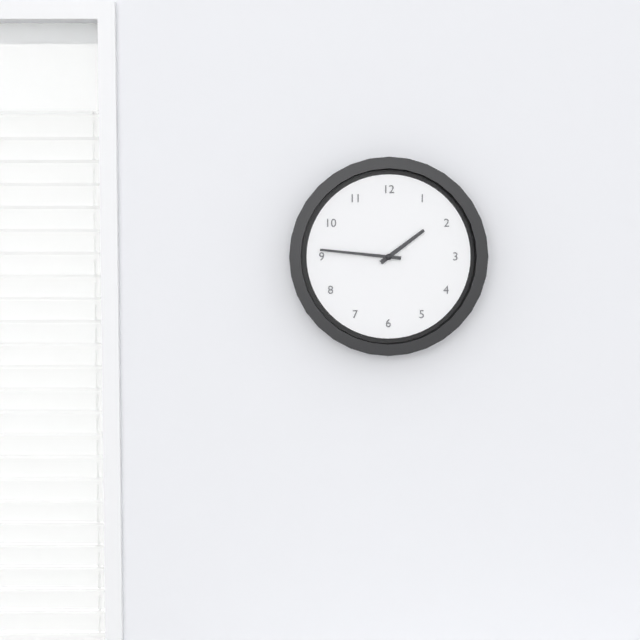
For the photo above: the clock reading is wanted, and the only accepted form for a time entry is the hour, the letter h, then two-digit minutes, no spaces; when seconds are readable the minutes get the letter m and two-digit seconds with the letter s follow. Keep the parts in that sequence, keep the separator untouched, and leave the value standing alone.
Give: 1h46
